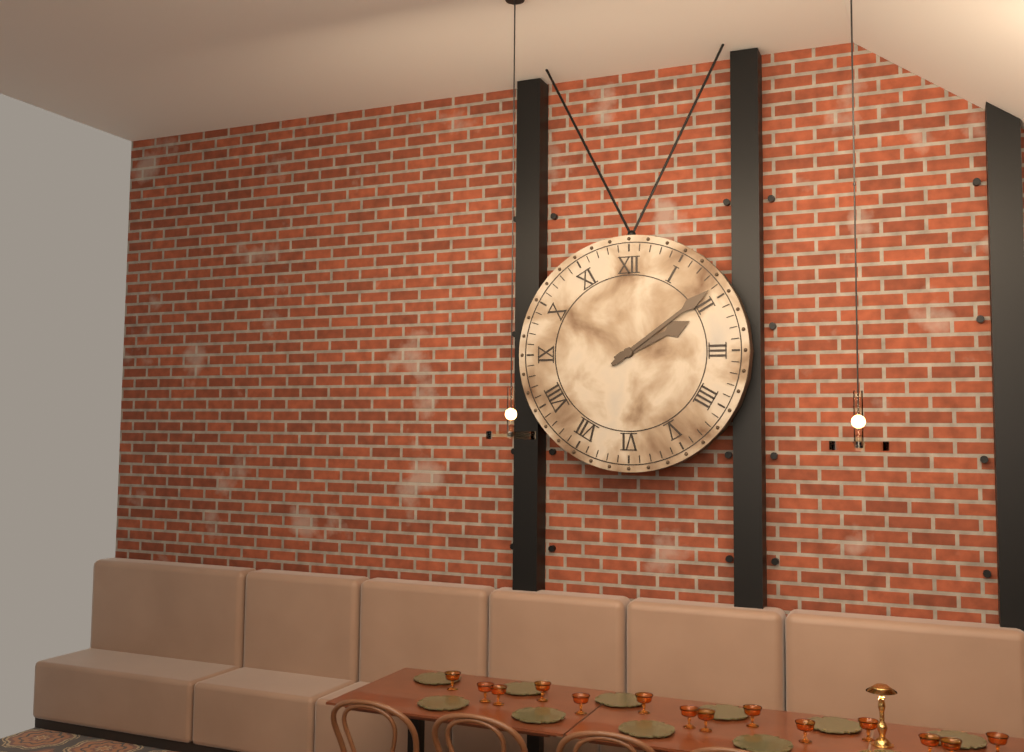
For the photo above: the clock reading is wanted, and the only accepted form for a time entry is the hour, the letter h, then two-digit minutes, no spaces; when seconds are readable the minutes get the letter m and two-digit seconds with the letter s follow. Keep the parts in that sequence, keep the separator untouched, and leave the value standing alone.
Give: 2h09
